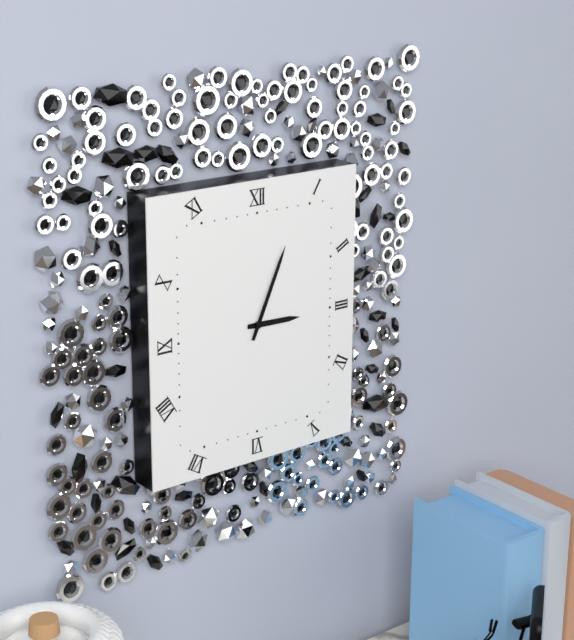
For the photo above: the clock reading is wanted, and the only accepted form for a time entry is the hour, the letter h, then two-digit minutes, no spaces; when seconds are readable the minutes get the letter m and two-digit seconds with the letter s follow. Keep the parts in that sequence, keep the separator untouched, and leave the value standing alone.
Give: 3h04
